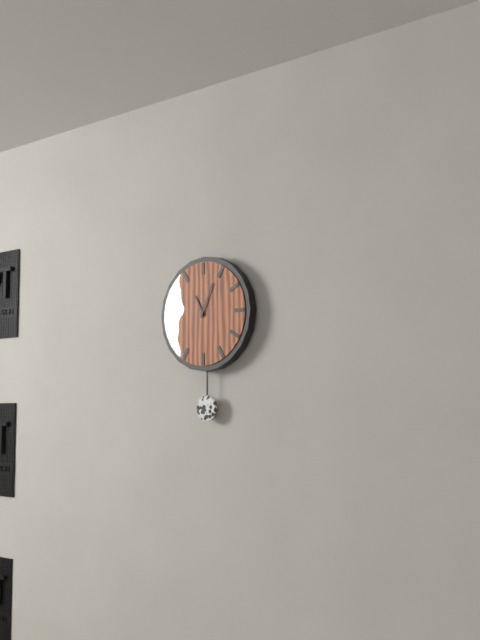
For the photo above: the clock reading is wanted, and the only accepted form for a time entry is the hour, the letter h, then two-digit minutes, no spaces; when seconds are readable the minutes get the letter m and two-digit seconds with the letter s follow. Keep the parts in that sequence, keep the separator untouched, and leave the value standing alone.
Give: 11h04
